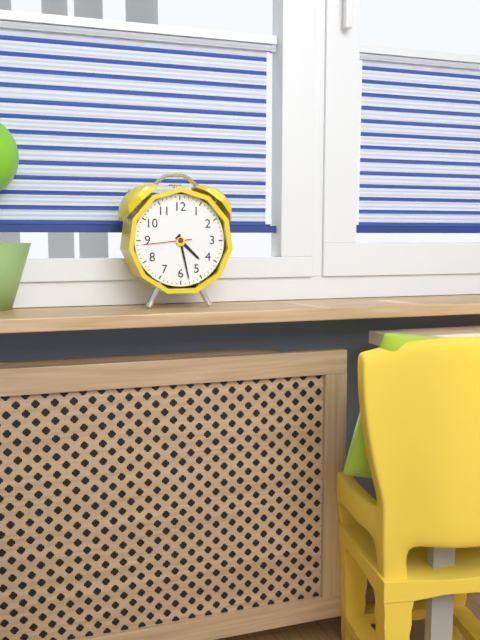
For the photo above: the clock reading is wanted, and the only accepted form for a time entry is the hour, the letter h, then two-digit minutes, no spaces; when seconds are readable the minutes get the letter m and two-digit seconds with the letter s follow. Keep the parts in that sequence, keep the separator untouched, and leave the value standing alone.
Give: 4h28m44s
